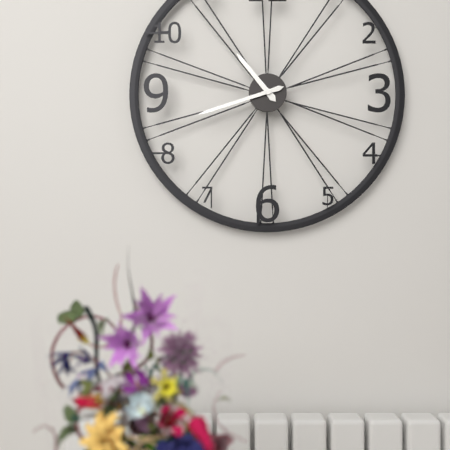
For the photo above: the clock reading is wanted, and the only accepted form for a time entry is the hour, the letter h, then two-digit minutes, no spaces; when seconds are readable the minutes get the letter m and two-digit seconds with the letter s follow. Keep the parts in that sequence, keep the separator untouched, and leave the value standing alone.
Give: 10h42
